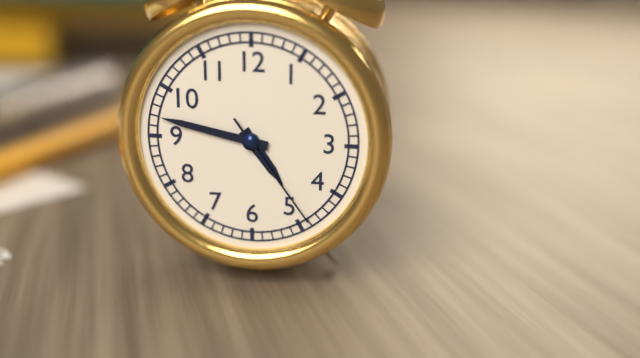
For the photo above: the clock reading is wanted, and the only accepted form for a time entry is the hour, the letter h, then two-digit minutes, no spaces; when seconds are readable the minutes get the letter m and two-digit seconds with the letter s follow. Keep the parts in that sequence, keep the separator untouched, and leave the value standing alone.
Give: 4h47m24s
